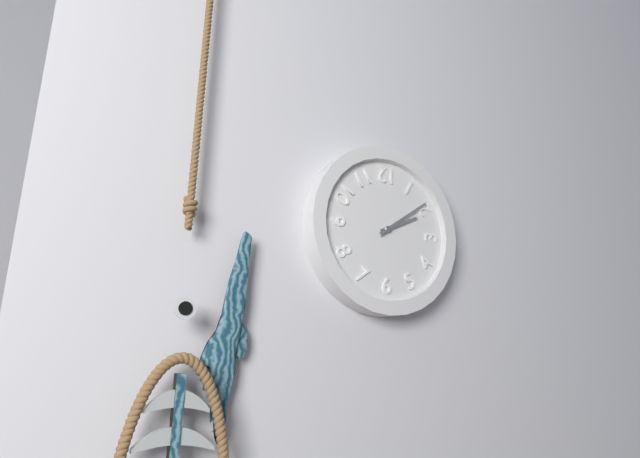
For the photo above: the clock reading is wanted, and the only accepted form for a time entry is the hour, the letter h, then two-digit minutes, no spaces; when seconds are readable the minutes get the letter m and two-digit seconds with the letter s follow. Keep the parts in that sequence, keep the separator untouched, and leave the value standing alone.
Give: 2h09
